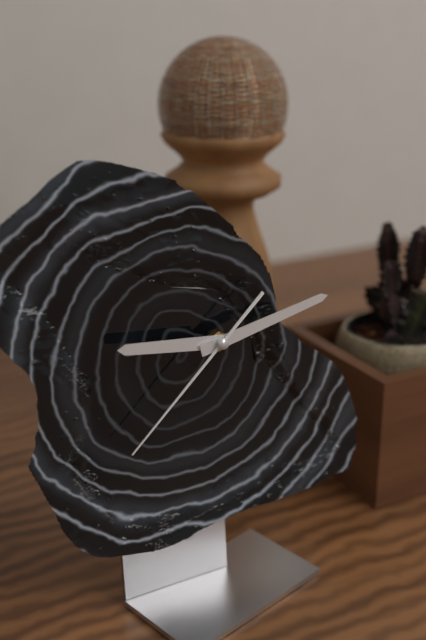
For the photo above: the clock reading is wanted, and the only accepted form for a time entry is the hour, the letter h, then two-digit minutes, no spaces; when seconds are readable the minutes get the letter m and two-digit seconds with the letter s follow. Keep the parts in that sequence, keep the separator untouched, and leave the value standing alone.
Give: 9h13m38s
